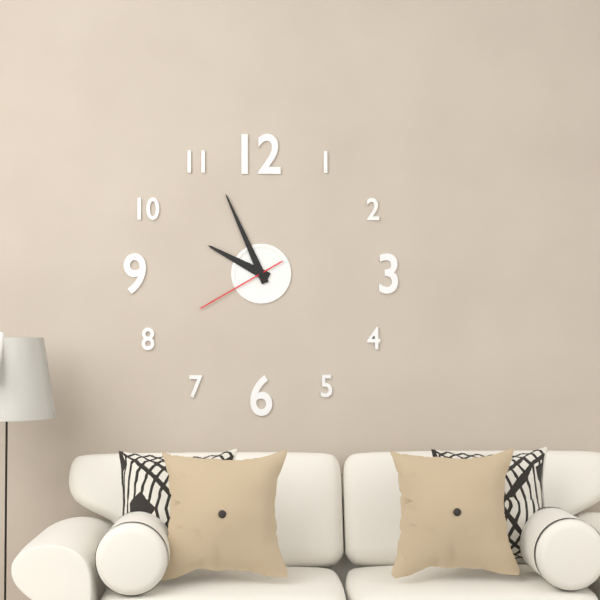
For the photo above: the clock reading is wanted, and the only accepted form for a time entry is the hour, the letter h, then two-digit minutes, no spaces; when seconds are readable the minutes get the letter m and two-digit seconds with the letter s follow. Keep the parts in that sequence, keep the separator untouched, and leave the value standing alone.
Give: 9h56m40s
